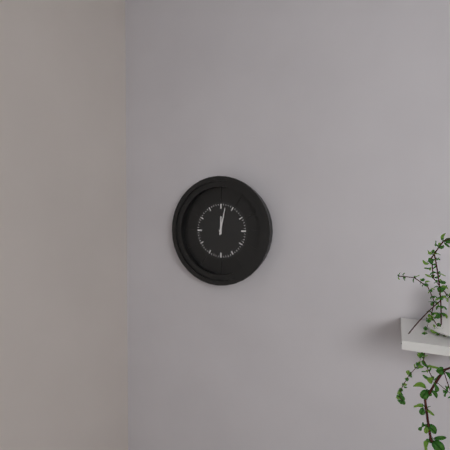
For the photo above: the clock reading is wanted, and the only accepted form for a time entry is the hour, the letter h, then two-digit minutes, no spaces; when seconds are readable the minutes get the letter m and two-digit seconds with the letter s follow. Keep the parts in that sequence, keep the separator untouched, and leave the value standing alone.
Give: 12h02
